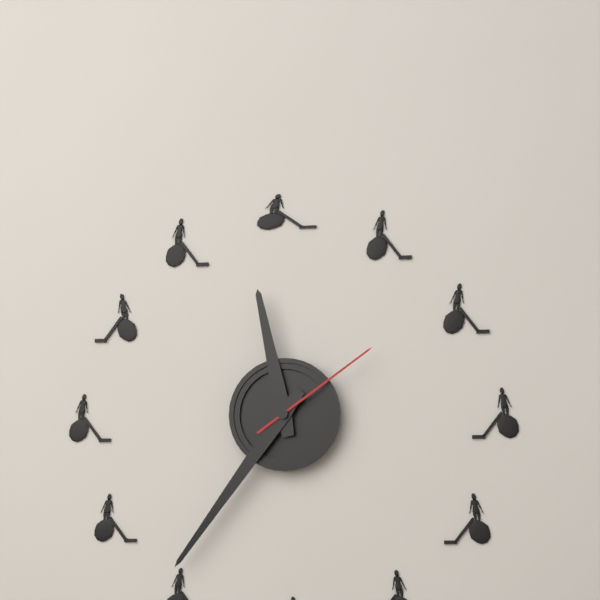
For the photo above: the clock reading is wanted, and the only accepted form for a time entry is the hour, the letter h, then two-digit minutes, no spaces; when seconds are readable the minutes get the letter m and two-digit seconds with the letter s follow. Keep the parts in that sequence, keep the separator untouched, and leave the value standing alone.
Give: 11h36m09s
